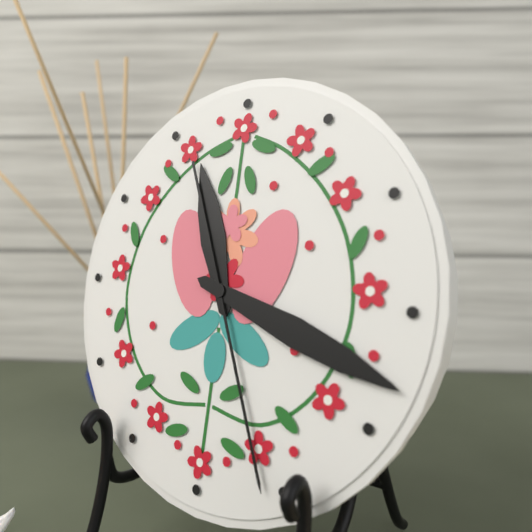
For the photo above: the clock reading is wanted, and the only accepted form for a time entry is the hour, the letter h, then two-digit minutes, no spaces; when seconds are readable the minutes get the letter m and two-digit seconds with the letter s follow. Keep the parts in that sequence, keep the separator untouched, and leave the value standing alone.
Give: 11h18m26s
